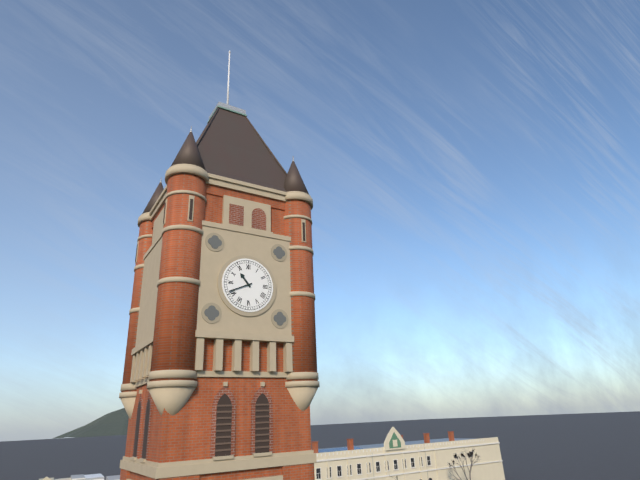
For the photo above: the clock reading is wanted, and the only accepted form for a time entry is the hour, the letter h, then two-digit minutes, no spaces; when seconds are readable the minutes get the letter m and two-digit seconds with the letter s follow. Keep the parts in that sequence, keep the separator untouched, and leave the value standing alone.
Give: 10h41
